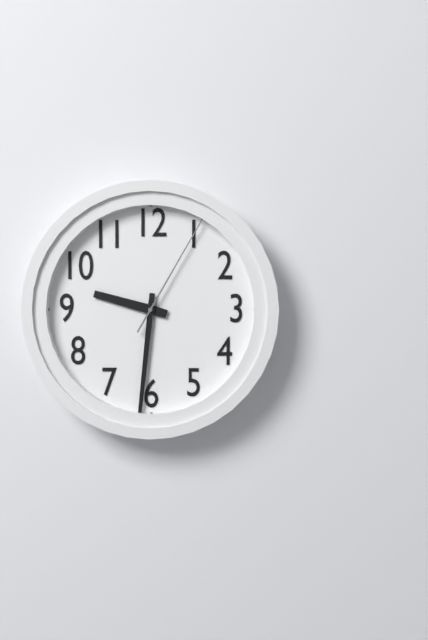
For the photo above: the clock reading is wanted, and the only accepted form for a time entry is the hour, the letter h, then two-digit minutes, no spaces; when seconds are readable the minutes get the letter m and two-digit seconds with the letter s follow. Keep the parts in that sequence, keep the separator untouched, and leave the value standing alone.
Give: 9h31m05s
